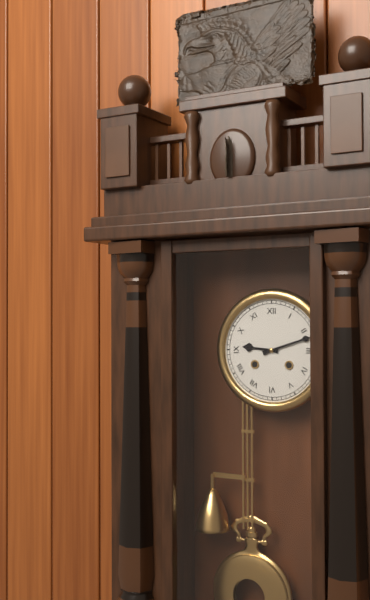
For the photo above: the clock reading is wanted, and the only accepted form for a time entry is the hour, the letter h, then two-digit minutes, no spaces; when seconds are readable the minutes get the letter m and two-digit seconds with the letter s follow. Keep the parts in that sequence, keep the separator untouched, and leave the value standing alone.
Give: 9h12
